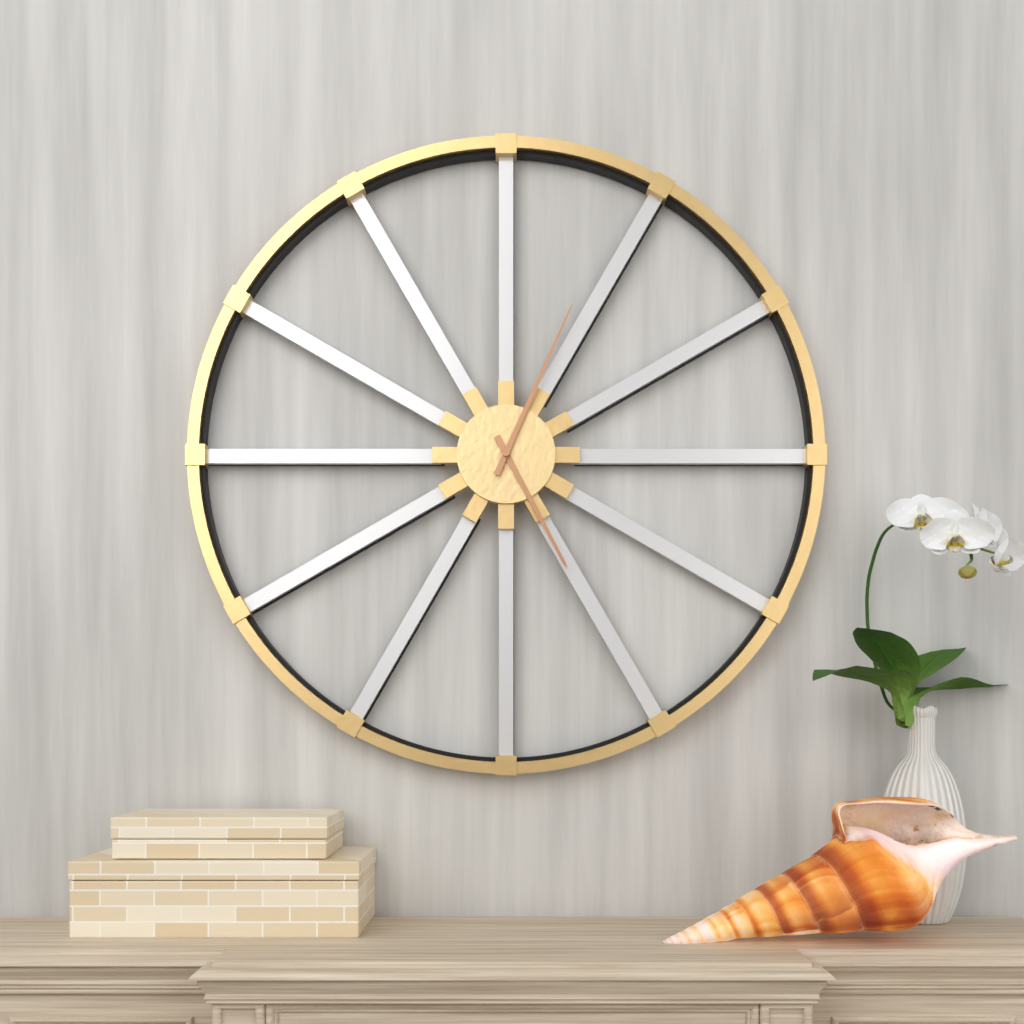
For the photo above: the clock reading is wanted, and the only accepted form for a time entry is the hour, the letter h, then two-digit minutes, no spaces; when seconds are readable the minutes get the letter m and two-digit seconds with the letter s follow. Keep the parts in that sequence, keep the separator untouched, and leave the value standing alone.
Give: 5h04
